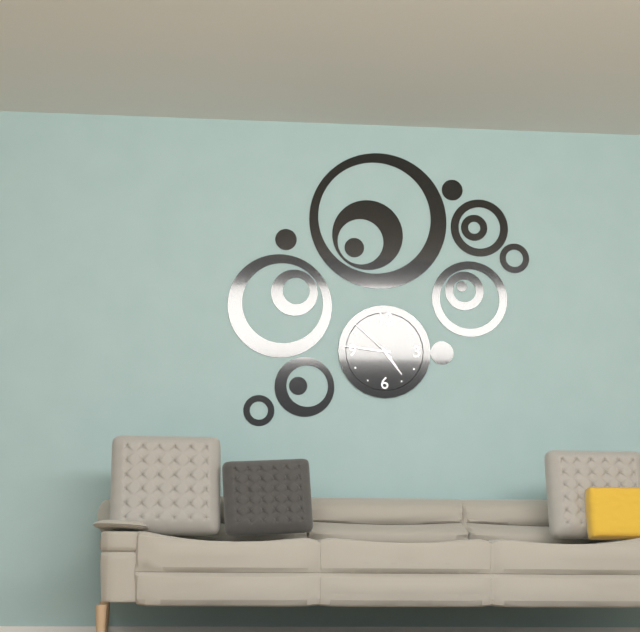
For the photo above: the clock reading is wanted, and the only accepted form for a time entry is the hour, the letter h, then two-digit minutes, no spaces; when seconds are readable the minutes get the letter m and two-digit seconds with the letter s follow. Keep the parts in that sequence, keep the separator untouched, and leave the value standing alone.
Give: 4h46m52s
